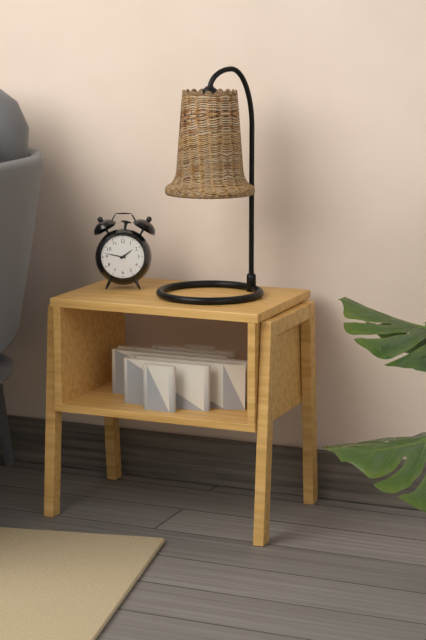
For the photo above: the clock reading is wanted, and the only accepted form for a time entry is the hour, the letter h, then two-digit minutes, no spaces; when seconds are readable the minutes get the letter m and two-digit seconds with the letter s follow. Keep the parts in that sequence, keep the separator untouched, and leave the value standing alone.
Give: 1h47
